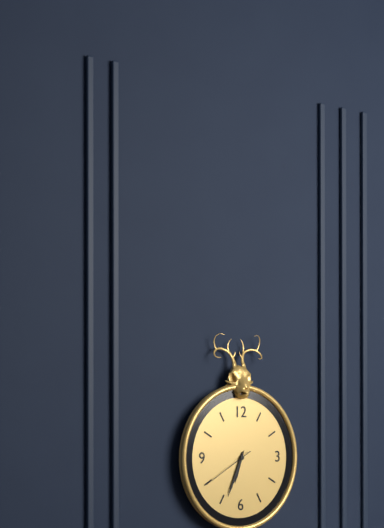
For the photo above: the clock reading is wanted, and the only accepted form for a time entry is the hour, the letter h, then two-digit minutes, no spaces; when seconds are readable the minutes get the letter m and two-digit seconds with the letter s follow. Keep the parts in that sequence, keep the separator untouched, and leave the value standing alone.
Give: 6h34m40s
